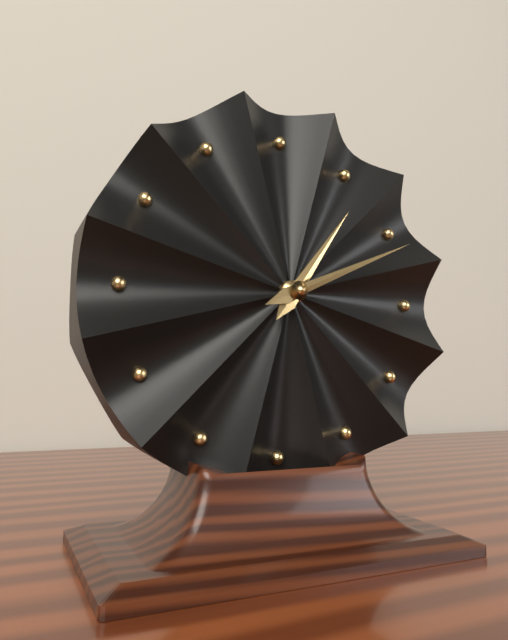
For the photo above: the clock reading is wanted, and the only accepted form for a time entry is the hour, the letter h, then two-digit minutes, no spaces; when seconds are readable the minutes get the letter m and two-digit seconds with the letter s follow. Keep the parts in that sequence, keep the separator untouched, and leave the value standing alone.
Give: 1h11
